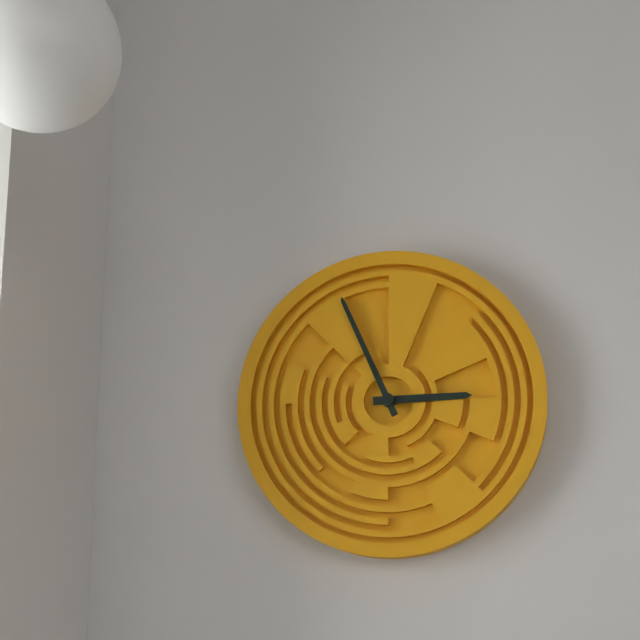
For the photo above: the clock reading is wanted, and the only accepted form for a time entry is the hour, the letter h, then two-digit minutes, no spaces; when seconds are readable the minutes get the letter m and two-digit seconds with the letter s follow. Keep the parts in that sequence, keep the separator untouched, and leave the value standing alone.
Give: 2h56
